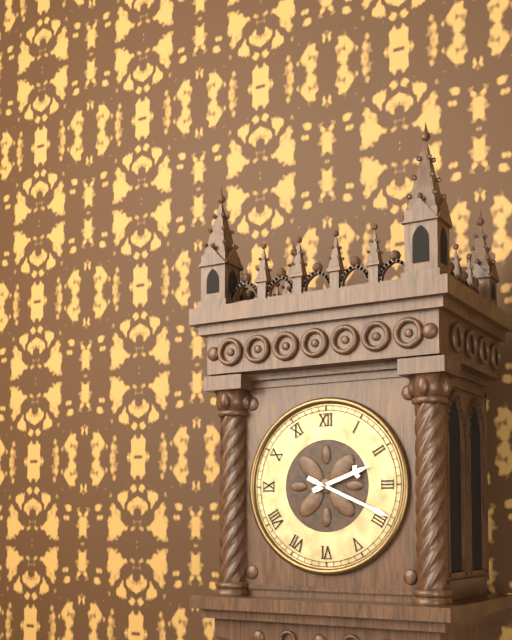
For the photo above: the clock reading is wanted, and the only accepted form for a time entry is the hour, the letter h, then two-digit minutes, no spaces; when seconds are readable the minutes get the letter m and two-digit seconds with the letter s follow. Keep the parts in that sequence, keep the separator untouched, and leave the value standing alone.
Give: 2h19
